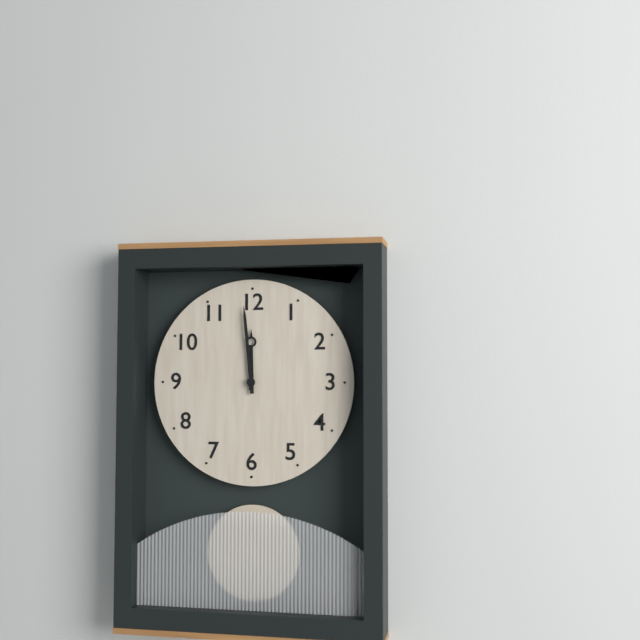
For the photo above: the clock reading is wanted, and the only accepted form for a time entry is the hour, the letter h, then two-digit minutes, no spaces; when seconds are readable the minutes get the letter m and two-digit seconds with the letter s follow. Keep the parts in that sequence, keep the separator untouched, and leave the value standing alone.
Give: 11h59
